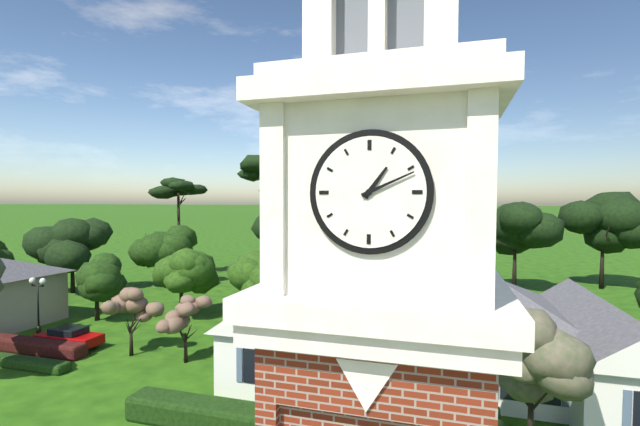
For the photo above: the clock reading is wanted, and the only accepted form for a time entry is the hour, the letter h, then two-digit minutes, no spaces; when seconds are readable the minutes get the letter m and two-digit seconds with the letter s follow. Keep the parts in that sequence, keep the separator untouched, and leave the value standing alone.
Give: 1h11
